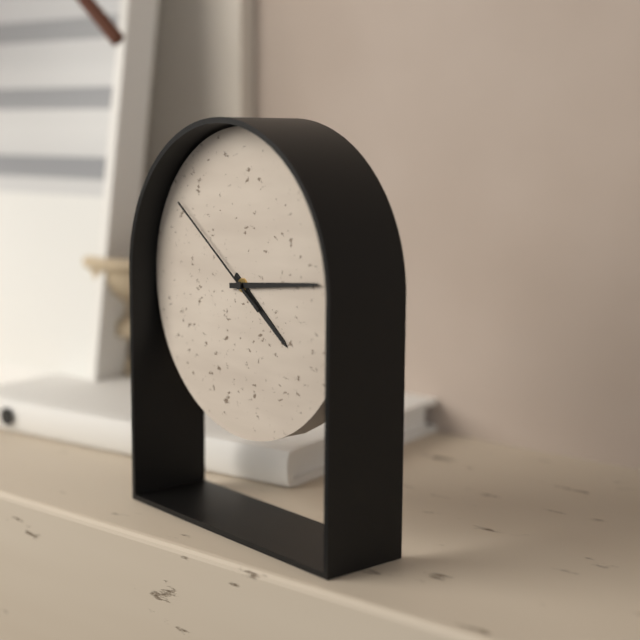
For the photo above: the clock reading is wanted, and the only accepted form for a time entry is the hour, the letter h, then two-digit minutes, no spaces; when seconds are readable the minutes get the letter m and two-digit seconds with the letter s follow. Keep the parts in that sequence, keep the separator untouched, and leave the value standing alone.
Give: 4h14m51s
